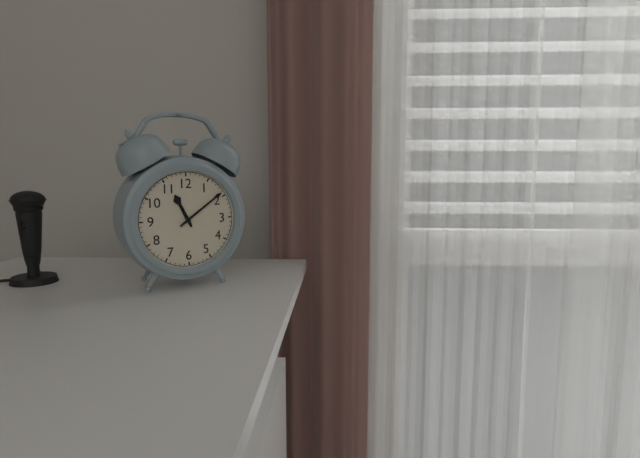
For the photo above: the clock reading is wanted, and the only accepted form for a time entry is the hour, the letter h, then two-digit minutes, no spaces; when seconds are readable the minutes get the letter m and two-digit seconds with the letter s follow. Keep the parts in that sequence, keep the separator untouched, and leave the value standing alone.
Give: 11h09
